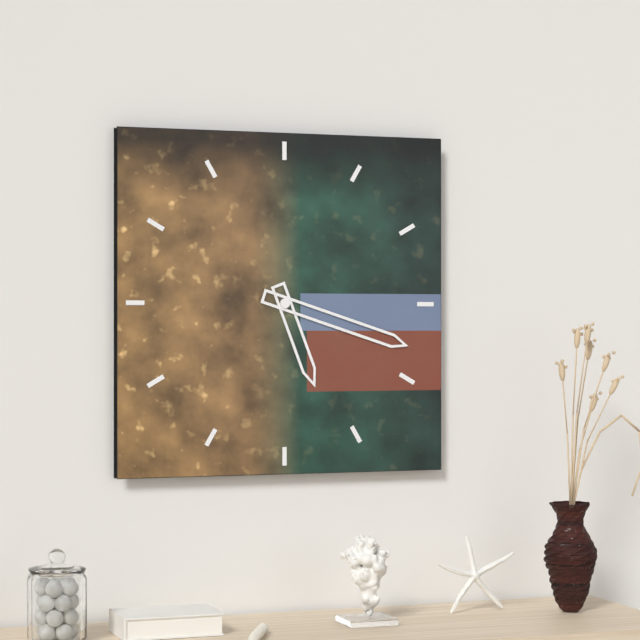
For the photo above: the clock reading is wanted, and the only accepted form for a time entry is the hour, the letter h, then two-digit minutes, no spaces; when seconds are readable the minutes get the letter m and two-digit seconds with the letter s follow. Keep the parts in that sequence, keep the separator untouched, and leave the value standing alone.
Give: 5h18
